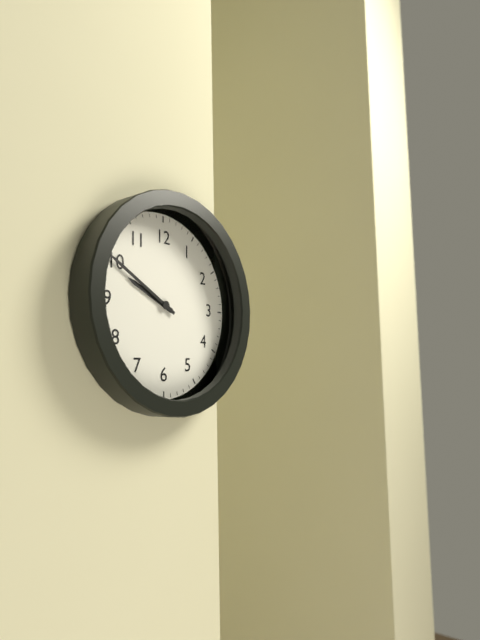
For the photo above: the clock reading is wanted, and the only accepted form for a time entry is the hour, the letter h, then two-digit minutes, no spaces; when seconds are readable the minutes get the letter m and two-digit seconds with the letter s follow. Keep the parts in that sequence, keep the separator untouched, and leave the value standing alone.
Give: 9h50
